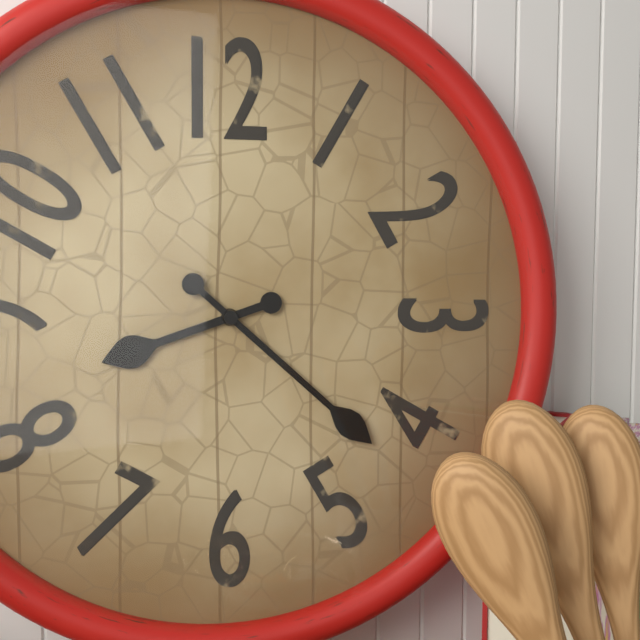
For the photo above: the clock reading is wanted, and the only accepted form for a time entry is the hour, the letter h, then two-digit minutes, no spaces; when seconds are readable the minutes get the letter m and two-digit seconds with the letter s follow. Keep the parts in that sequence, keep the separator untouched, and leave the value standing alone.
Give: 8h22
